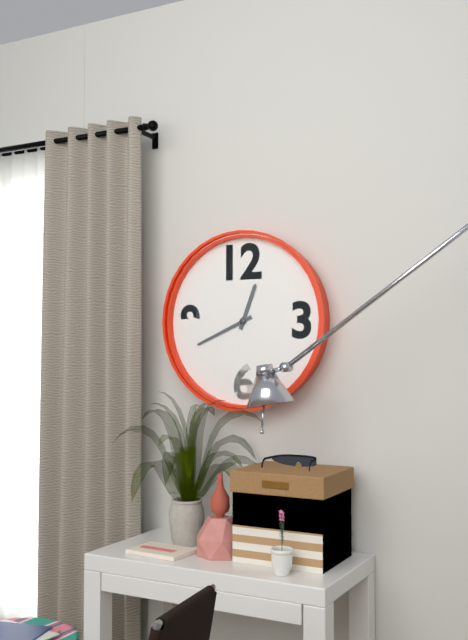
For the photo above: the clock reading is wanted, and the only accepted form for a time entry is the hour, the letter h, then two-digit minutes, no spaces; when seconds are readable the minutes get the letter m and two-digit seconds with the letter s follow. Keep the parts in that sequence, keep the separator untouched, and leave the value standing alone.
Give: 12h41
